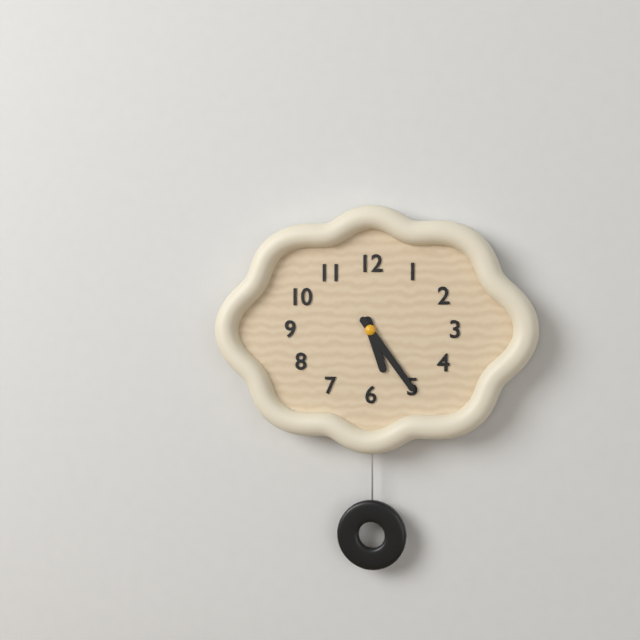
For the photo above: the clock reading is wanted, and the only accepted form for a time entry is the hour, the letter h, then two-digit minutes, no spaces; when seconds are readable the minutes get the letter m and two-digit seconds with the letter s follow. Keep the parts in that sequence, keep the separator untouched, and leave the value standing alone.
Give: 5h24
